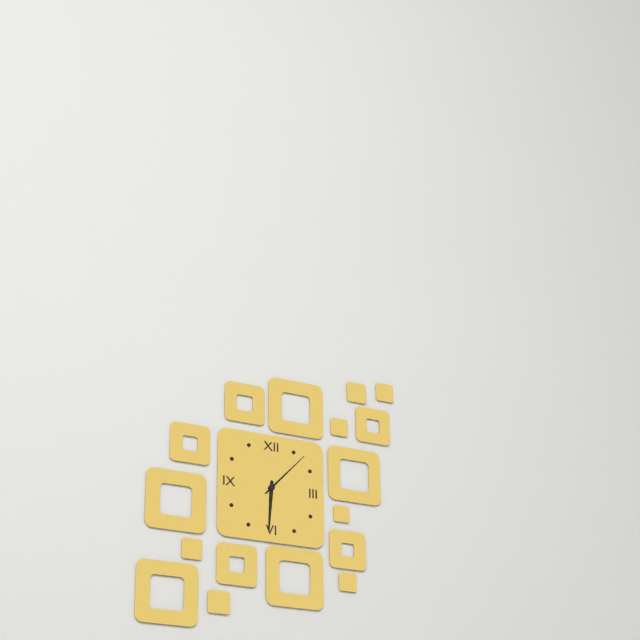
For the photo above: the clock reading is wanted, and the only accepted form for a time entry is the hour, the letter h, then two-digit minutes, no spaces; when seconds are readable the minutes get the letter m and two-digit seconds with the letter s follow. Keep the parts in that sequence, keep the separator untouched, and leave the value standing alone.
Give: 6h07
